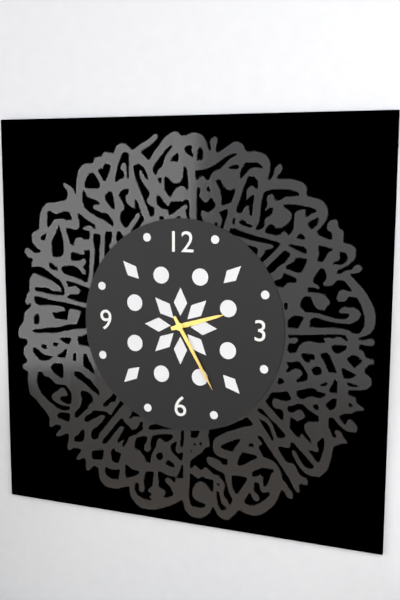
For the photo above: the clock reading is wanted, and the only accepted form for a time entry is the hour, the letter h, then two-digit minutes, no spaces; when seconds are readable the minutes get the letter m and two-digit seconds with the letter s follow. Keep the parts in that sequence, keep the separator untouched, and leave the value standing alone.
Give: 2h25
